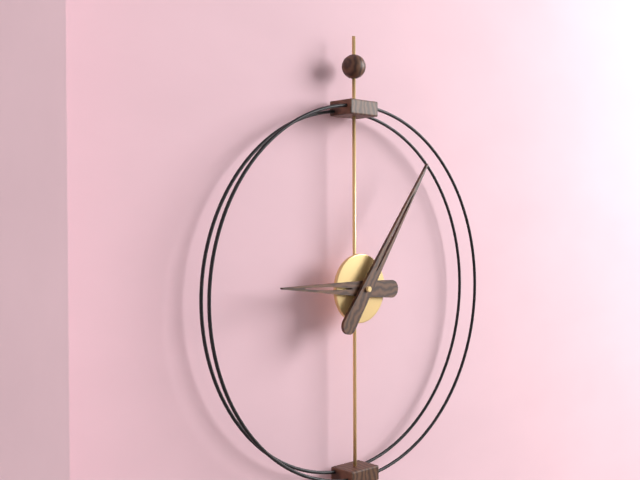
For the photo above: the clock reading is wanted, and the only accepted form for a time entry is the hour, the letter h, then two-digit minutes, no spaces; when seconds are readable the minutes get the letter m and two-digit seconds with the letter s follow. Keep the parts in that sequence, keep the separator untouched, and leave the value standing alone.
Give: 9h06
